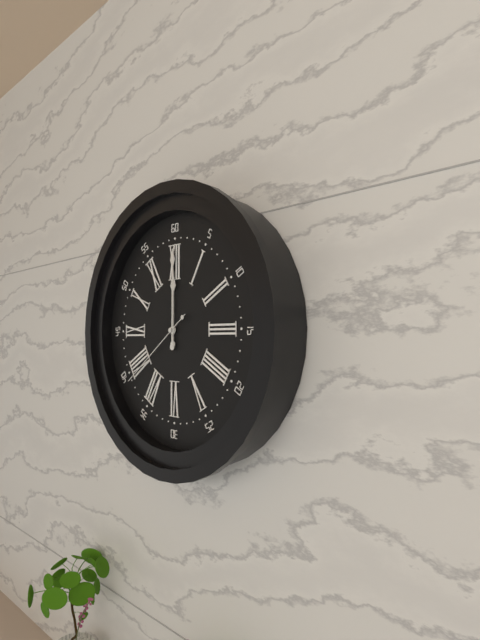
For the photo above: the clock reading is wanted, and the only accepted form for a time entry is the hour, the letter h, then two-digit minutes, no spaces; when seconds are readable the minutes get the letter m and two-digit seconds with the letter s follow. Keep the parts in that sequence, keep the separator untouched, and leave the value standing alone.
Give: 12h00m39s
